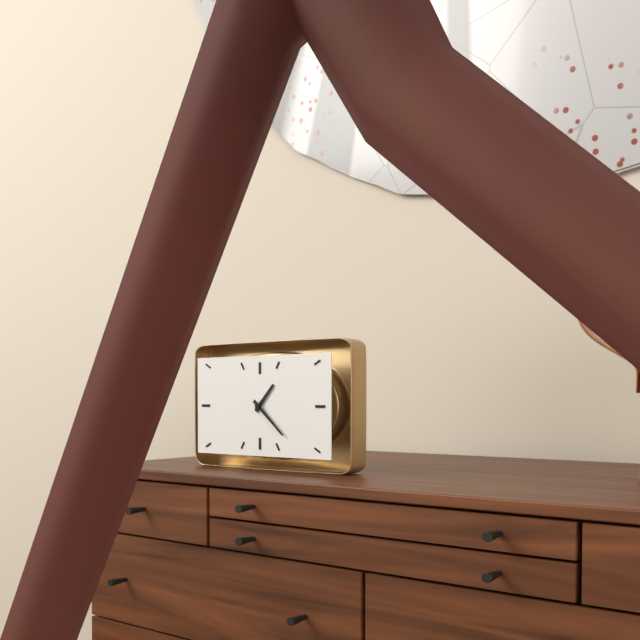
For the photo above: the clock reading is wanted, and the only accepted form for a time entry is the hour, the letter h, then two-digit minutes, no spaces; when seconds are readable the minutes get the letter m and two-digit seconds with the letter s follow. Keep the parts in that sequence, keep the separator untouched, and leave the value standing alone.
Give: 1h22
